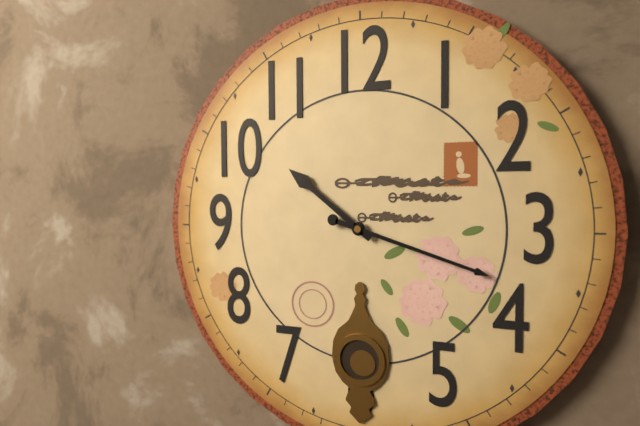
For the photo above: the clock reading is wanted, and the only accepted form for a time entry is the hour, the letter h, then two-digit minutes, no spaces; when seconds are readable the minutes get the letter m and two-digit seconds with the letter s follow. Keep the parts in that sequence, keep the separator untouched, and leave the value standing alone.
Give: 10h18
